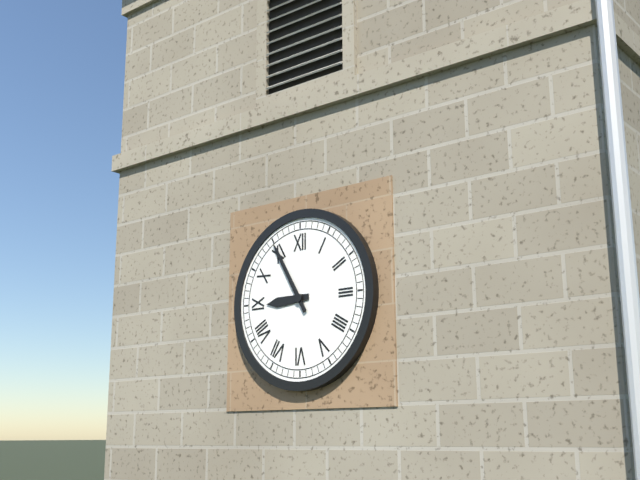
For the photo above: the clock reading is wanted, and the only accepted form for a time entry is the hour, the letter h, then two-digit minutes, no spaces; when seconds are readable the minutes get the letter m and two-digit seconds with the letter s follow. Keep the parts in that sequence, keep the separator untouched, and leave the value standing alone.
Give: 8h55
